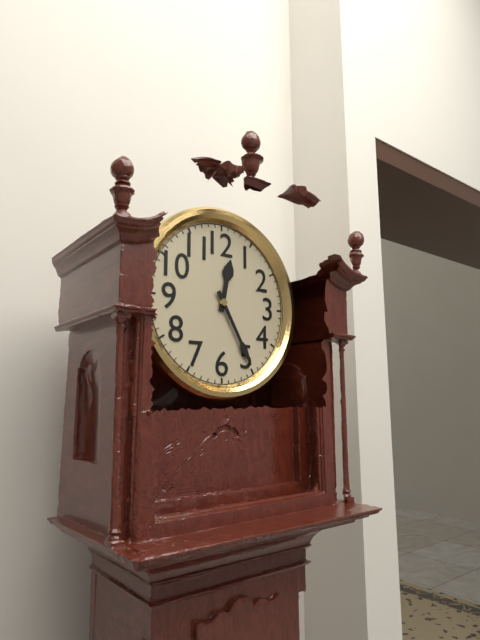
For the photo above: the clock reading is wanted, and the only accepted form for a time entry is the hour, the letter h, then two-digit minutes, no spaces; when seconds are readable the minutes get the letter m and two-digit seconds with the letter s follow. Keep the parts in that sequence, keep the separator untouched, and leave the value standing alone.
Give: 12h25
